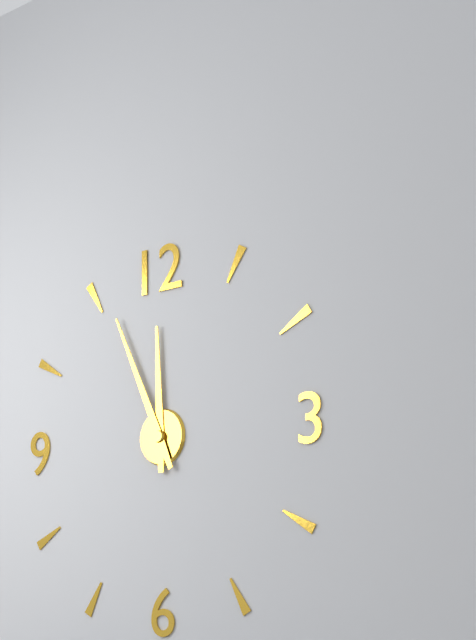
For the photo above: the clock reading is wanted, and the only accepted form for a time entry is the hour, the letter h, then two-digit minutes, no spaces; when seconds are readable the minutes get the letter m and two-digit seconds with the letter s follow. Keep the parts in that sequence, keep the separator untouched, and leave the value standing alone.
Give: 11h56
